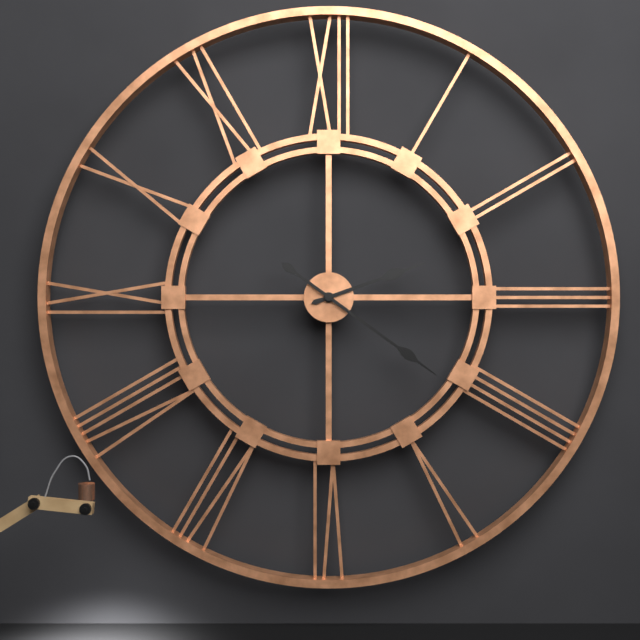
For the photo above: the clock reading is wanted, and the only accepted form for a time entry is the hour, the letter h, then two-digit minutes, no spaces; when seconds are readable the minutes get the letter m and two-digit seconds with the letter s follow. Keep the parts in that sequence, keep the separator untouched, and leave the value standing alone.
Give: 2h21
